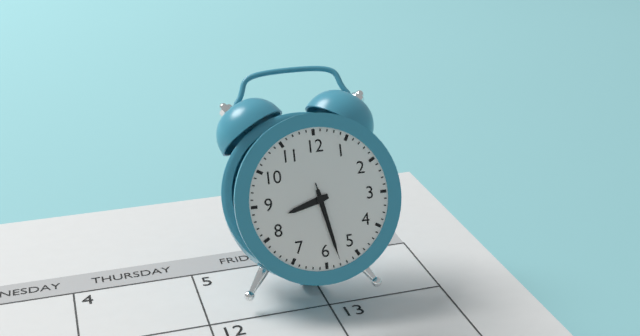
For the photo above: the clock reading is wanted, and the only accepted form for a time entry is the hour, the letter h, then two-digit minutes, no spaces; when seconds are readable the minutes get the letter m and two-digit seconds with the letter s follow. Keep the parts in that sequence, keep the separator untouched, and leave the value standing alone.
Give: 8h28m28s
